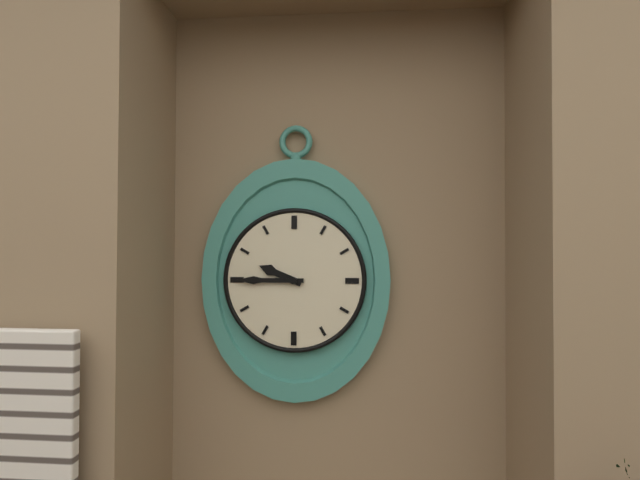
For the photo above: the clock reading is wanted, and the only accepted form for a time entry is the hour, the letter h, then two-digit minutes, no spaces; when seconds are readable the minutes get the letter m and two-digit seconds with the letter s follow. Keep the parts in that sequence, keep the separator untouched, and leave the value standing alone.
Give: 9h45
